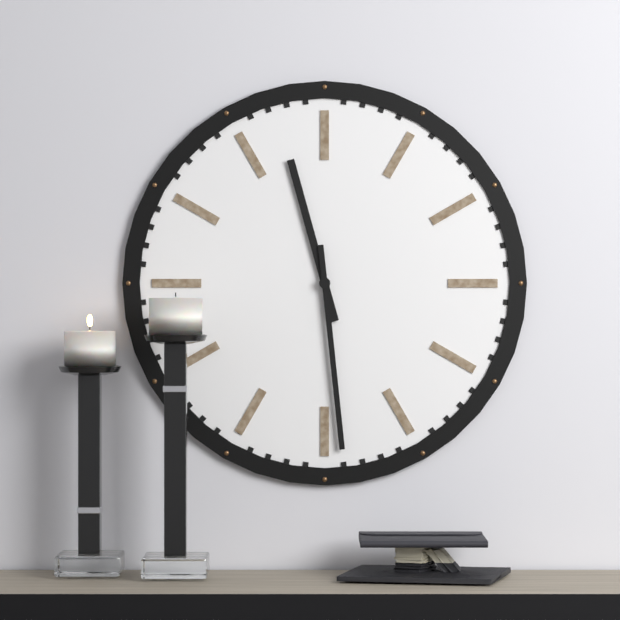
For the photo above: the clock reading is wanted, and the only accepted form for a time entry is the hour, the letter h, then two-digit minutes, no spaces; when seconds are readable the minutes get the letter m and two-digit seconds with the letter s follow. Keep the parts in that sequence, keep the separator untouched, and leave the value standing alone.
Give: 11h29
